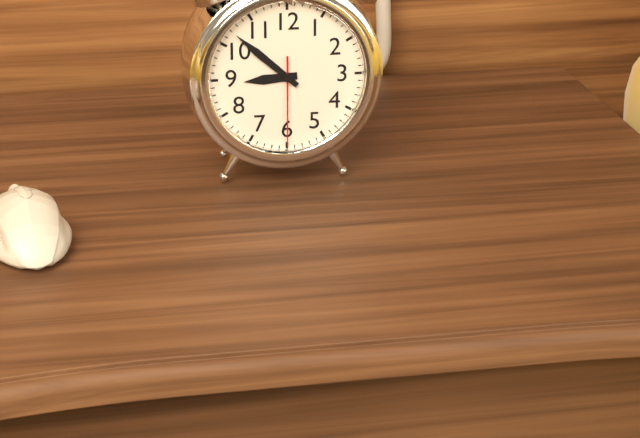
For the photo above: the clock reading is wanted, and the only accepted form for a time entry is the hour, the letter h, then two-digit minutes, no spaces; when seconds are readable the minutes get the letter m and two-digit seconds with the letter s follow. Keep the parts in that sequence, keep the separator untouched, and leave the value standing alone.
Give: 8h52m30s
